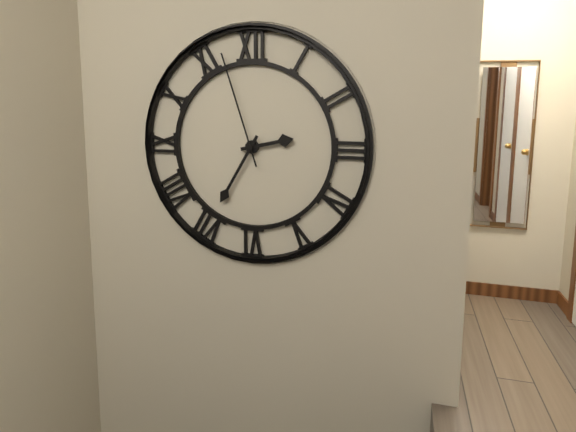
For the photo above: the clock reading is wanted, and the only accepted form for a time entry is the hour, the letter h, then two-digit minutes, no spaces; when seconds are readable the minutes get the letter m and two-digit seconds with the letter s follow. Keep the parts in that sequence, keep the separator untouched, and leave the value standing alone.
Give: 2h35m57s
